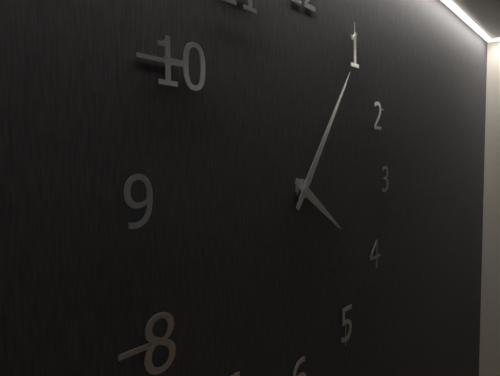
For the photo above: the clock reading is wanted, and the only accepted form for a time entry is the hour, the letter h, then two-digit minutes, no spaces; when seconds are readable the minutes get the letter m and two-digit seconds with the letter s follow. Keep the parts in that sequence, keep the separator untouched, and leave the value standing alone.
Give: 4h06
